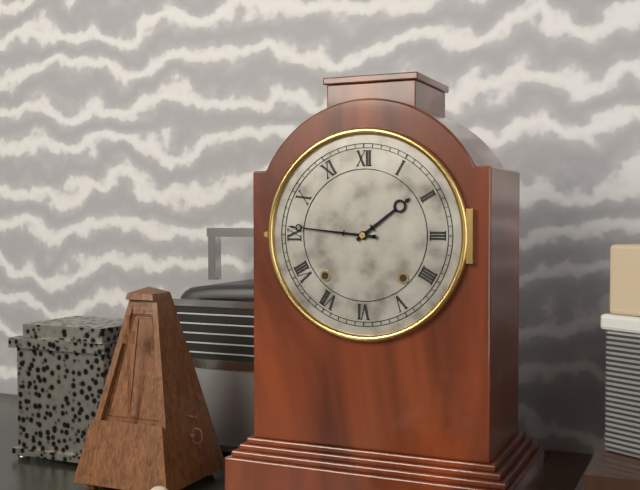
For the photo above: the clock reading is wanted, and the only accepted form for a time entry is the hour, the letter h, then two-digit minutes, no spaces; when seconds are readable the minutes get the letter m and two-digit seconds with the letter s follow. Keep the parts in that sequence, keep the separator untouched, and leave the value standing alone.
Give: 1h46
